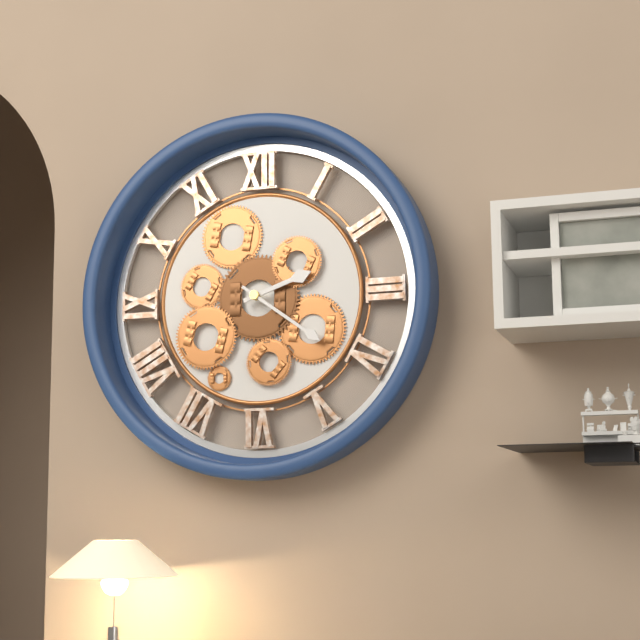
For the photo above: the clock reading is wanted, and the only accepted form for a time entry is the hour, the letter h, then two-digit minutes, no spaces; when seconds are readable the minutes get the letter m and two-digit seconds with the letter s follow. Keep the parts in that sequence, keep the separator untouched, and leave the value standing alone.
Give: 2h21
